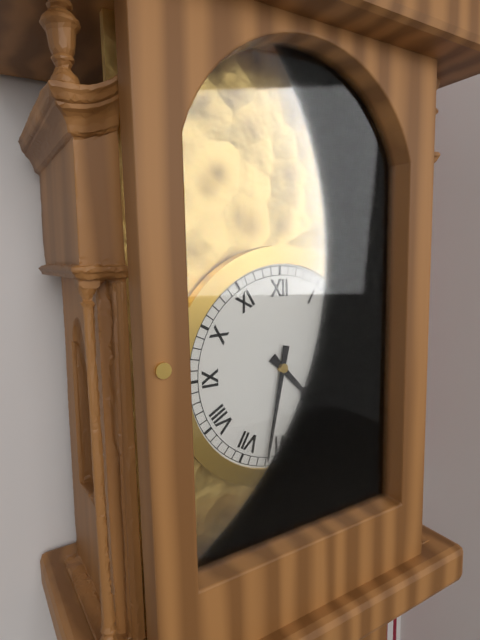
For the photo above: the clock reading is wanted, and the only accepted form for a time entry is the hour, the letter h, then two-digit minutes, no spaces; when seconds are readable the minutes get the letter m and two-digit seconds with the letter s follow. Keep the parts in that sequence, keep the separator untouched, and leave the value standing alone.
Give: 4h32
